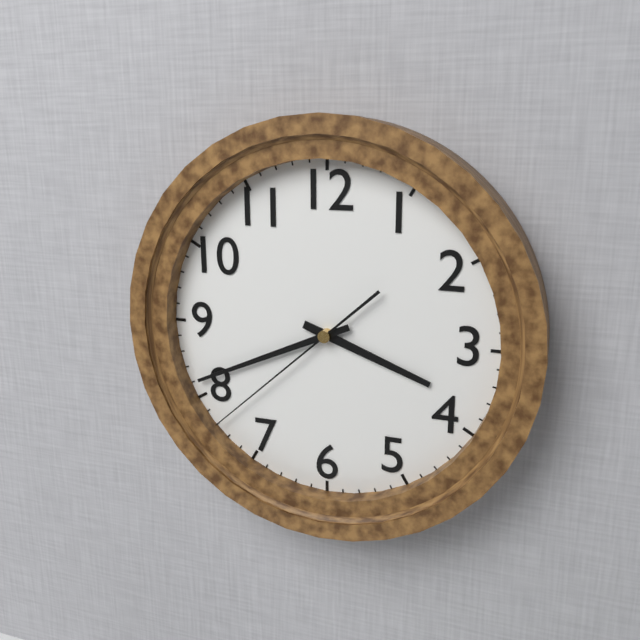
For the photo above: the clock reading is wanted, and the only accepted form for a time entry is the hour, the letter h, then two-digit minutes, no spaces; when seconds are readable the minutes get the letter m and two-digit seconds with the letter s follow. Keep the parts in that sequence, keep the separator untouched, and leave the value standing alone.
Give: 3h41m38s
